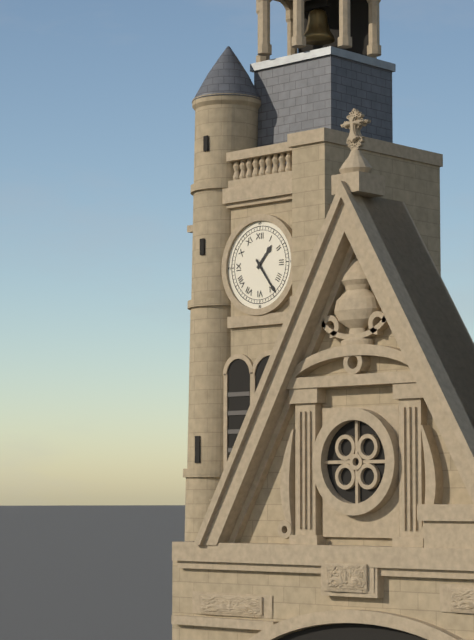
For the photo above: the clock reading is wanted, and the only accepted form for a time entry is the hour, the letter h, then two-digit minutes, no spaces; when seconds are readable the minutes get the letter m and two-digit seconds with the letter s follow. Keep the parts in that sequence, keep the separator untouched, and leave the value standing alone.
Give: 1h24
